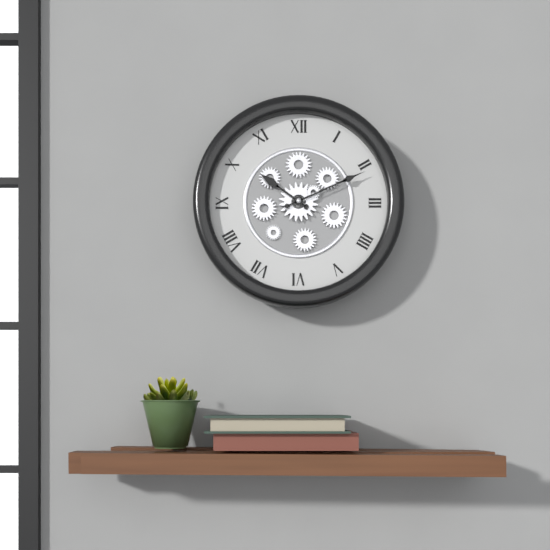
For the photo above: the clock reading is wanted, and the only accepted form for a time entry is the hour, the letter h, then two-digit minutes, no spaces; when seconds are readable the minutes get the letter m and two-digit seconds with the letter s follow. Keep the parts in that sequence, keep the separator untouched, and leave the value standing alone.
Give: 10h11
